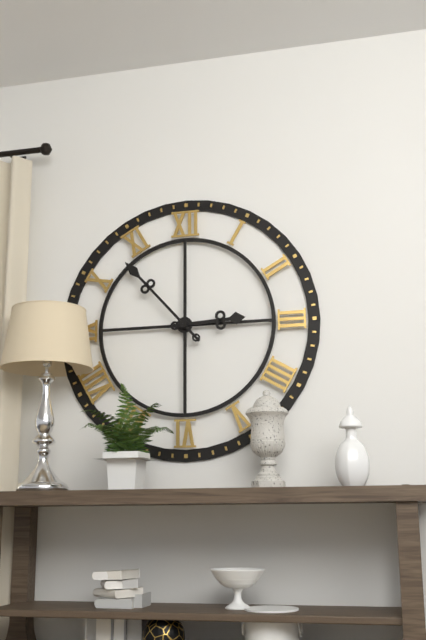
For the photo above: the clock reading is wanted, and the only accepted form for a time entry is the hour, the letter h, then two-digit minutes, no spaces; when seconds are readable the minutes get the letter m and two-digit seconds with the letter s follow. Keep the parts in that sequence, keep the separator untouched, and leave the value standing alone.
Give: 2h53
